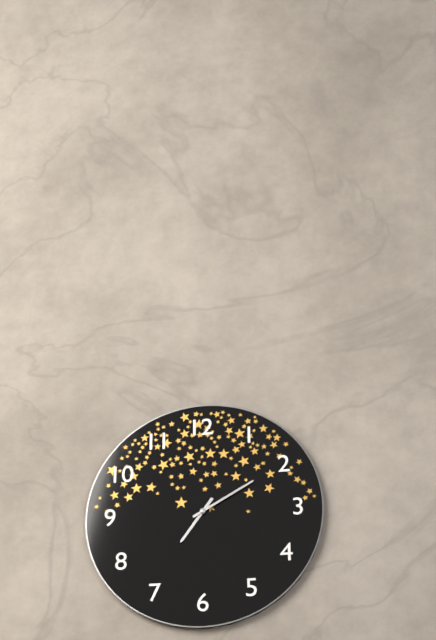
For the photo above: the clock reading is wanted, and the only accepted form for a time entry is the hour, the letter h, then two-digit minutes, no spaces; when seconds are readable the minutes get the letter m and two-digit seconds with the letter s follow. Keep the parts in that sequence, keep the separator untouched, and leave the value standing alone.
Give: 7h10
